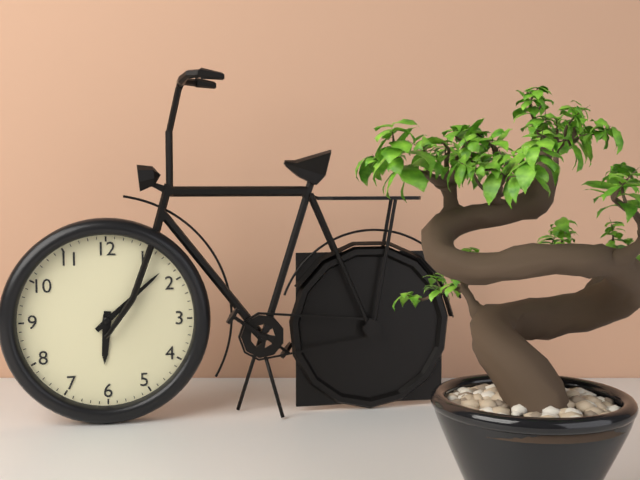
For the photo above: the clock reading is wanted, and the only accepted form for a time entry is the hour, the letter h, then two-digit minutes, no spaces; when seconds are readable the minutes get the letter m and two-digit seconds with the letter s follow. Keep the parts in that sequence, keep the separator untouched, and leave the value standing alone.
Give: 6h08
